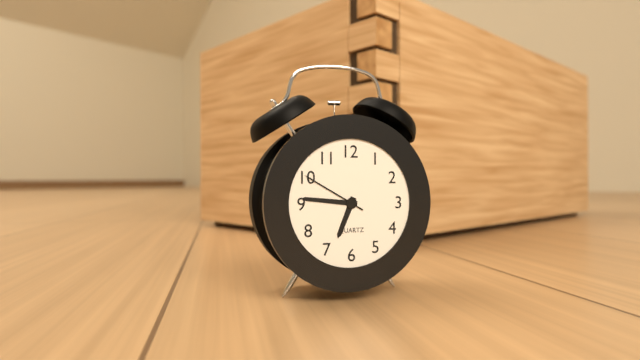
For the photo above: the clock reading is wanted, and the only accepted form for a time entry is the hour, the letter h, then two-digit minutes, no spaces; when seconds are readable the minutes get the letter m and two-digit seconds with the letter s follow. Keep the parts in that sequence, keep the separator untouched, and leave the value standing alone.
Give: 6h46m50s
